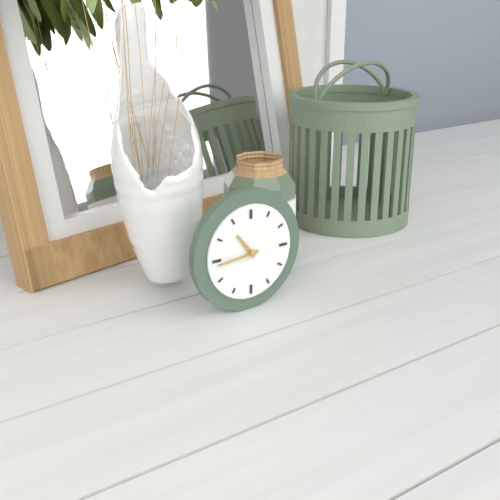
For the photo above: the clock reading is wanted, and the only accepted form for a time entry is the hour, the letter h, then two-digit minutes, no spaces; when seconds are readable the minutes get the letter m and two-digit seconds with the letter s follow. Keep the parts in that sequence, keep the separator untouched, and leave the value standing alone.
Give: 10h44
